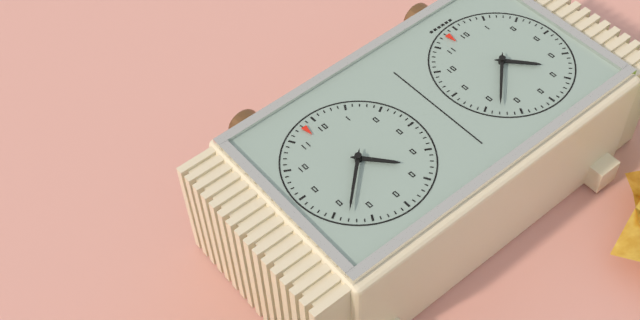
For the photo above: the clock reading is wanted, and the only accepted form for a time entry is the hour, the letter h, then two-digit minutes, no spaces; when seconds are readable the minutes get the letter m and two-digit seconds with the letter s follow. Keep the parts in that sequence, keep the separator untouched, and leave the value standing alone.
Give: 4h38
